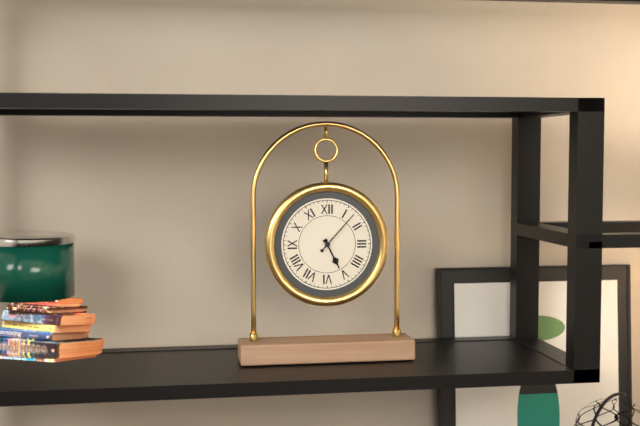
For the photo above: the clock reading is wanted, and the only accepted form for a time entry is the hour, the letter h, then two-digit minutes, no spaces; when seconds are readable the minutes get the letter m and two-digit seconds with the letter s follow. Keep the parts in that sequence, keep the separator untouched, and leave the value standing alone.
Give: 5h07
